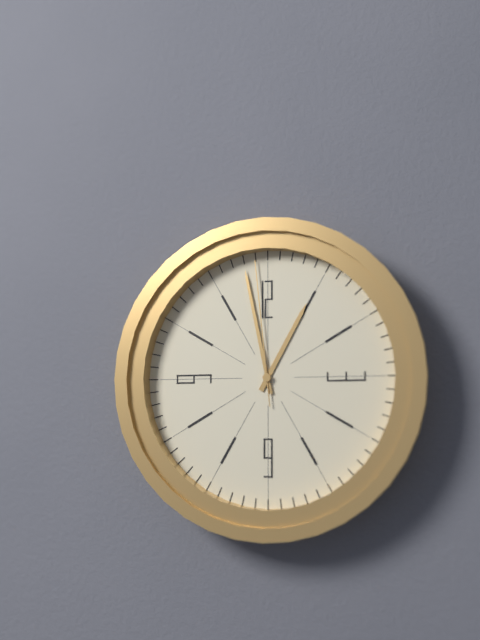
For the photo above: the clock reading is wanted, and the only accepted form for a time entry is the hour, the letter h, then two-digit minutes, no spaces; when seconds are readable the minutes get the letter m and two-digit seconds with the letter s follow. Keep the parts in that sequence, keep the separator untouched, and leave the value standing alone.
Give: 12h58m59s
